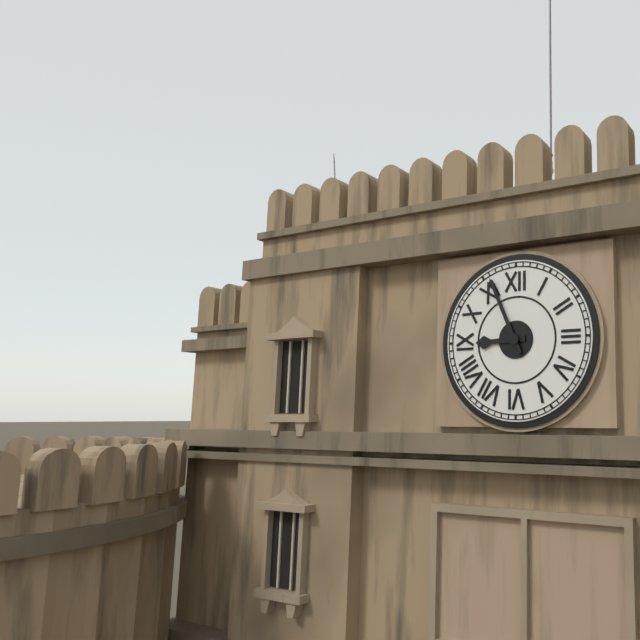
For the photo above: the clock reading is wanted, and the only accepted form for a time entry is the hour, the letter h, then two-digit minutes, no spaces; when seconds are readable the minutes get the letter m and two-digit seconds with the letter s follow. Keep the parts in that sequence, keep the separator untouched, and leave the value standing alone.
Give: 8h56
